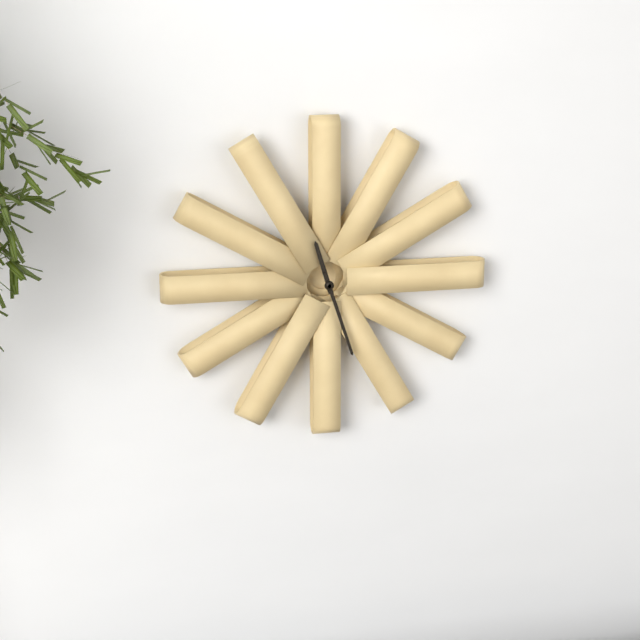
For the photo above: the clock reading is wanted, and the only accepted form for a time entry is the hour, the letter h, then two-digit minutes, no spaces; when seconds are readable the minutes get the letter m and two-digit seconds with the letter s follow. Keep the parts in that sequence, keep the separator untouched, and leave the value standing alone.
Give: 11h27
